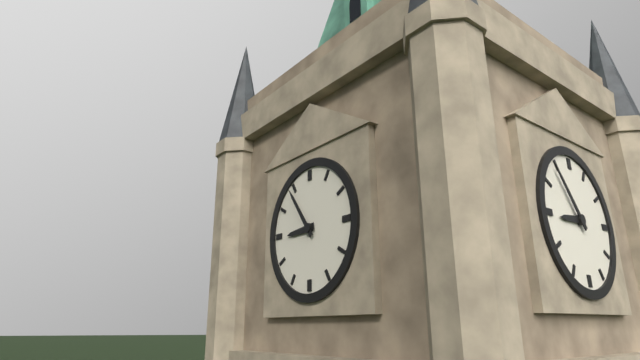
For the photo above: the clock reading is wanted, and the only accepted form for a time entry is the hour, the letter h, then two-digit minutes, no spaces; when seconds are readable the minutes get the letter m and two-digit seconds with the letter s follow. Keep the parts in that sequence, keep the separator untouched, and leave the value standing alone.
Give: 8h54
